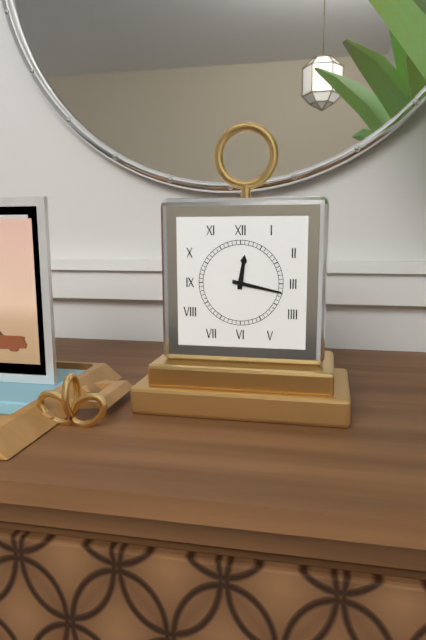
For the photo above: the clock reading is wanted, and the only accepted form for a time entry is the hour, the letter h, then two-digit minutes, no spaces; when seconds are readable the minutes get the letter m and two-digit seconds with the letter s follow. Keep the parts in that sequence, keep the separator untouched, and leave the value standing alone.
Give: 12h17
